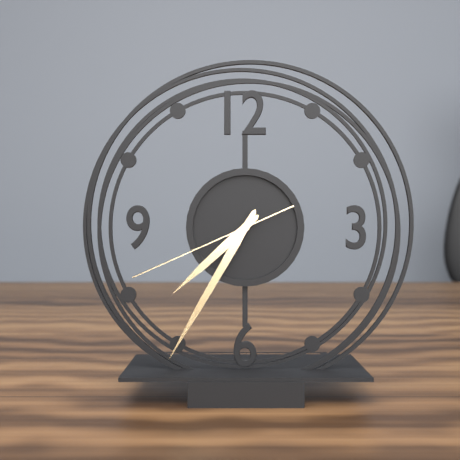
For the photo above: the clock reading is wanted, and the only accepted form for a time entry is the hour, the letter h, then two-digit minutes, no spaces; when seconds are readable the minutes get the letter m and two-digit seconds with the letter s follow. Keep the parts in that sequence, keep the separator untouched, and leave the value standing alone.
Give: 7h35m41s
